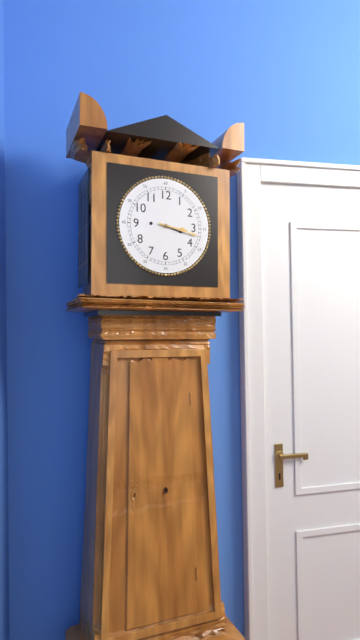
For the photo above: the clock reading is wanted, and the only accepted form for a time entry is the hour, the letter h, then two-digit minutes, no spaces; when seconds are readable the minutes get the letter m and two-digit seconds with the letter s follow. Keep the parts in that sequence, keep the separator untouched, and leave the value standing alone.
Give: 3h17
